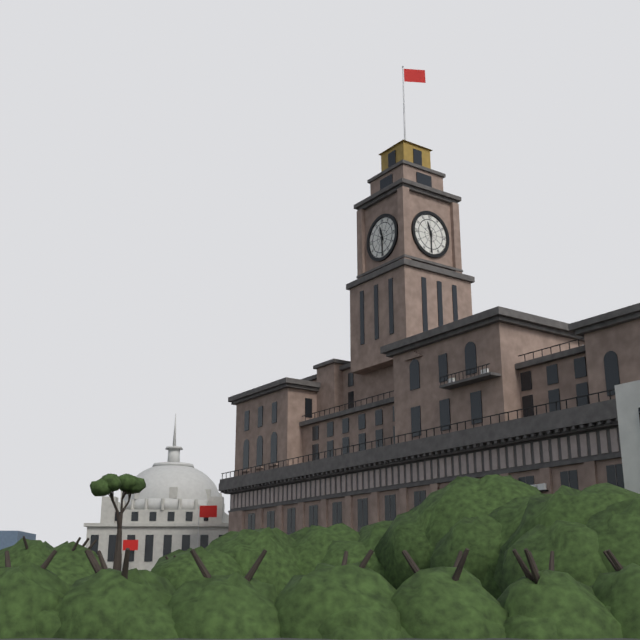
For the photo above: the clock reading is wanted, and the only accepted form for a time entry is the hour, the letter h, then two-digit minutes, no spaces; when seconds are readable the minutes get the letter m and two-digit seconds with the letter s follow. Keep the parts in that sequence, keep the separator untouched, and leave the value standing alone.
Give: 11h30
